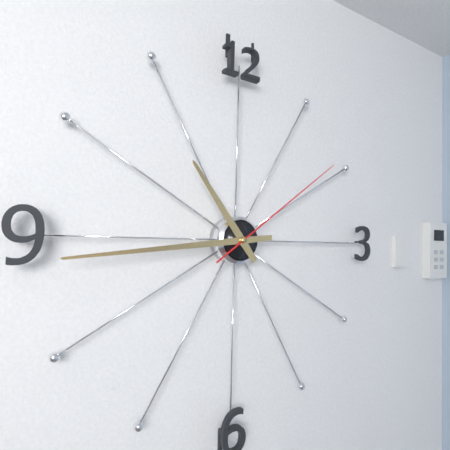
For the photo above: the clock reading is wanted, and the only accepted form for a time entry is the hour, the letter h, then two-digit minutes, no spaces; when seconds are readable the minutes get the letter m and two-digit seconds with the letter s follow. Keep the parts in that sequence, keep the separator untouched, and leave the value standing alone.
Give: 10h44m09s
